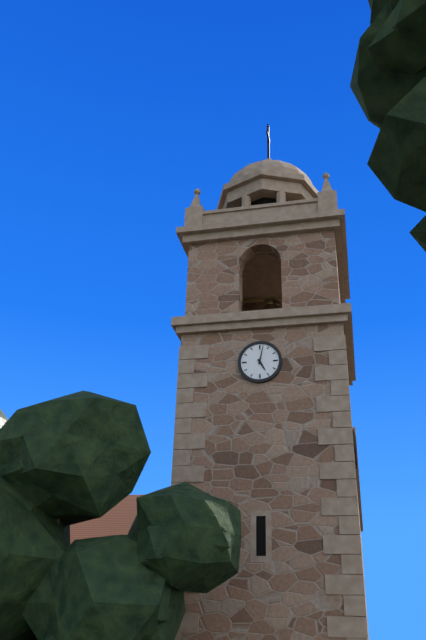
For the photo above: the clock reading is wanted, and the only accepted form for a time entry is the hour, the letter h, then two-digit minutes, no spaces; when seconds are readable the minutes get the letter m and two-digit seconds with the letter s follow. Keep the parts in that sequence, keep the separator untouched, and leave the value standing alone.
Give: 5h02
